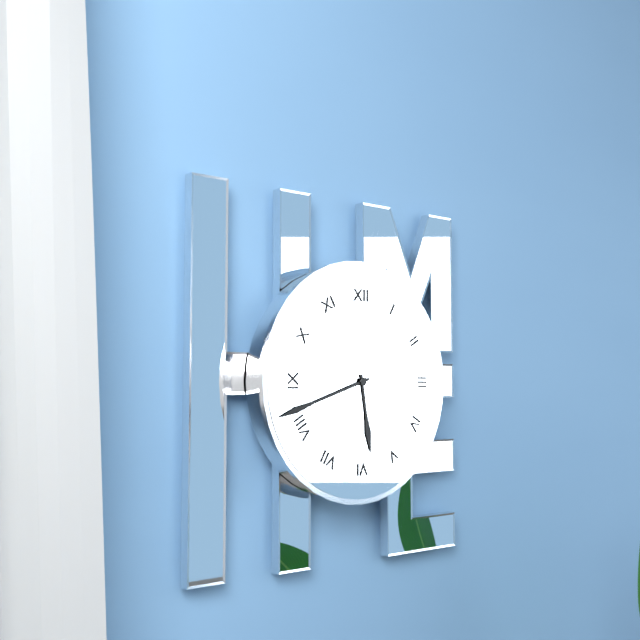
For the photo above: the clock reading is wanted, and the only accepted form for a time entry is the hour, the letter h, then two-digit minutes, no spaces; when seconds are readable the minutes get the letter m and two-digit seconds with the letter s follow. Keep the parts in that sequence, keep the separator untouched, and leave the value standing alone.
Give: 5h42
